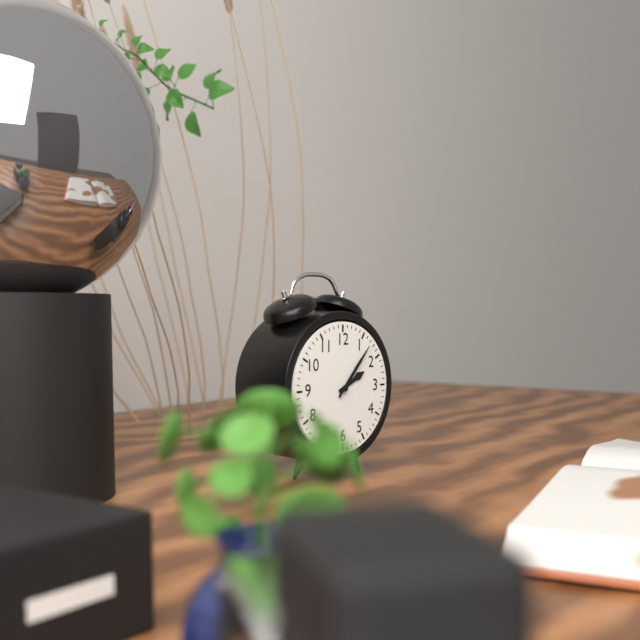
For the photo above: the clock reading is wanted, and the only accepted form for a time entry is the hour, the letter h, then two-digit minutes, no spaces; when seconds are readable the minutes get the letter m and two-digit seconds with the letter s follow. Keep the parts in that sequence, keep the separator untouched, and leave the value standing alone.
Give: 2h07
